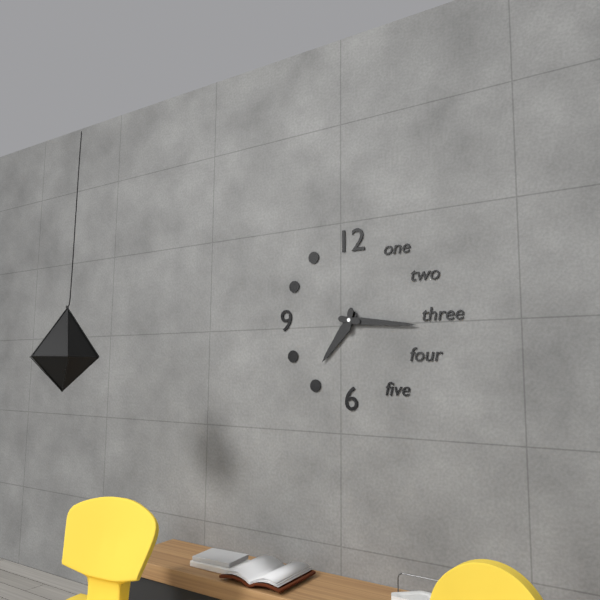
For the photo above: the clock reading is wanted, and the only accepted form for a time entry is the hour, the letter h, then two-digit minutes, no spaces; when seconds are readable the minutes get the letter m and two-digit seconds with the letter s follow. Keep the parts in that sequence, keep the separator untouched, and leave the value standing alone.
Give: 7h16
